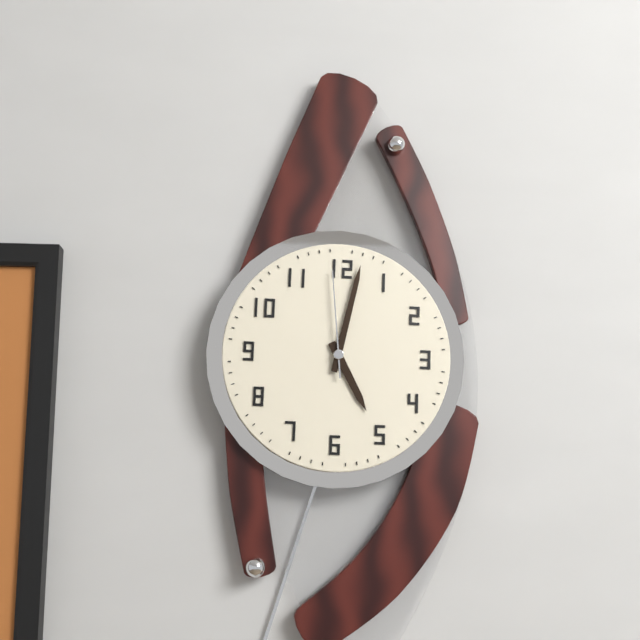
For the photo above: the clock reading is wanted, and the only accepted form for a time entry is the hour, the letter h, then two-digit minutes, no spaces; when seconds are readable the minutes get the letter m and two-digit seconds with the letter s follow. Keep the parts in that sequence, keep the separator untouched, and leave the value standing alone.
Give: 5h02m59s
